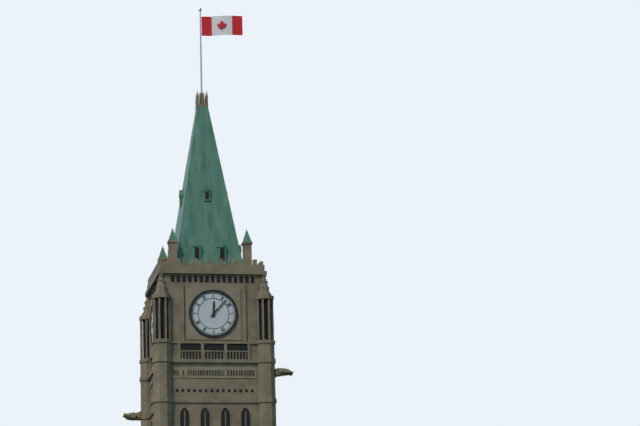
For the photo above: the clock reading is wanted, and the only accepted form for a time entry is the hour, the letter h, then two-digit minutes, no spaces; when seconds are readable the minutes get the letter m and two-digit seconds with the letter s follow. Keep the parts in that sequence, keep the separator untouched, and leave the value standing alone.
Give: 12h07
